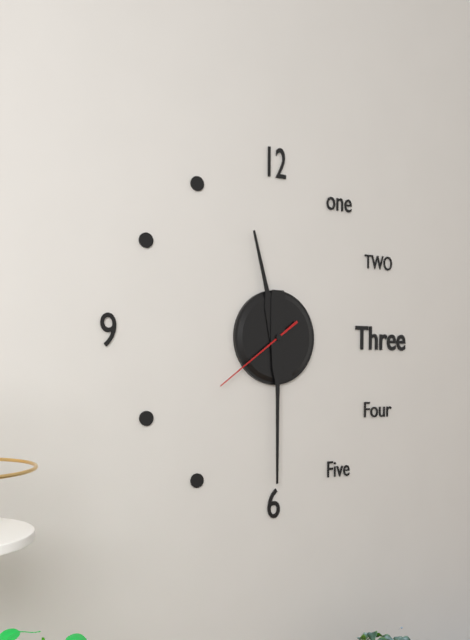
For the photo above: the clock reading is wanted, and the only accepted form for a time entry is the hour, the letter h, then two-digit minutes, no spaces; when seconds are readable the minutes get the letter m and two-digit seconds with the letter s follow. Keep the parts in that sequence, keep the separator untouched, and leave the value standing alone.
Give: 11h30m39s
